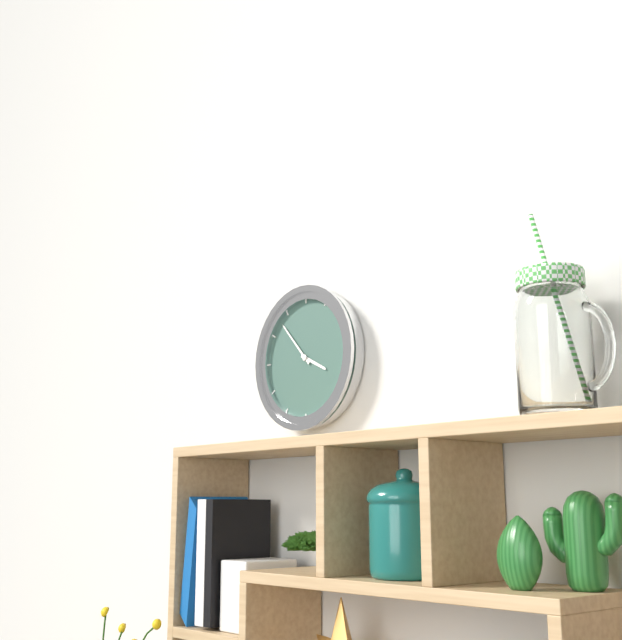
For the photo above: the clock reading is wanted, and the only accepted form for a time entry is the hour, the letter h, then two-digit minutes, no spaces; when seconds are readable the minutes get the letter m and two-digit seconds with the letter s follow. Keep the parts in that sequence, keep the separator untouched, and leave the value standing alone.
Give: 3h53
